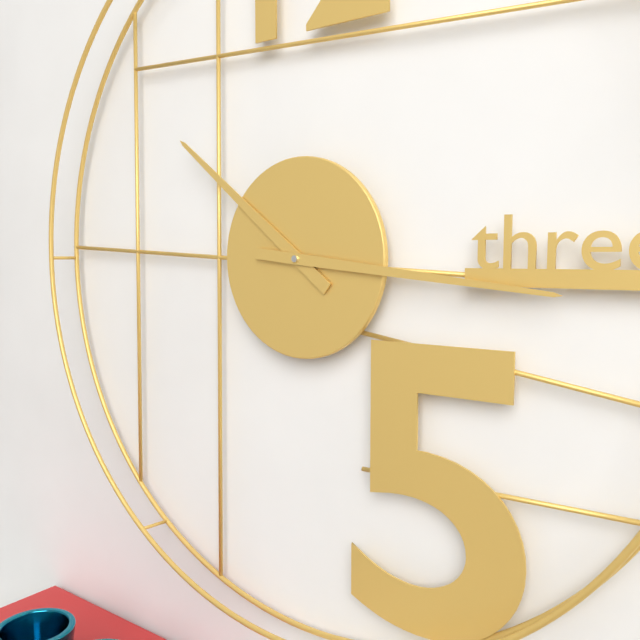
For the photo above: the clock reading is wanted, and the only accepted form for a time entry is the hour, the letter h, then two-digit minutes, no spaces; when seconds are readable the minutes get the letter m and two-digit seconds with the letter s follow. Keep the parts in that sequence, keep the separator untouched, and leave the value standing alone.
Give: 10h16
